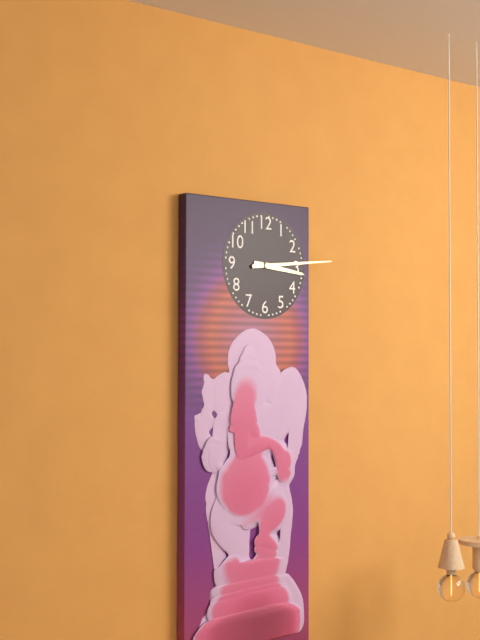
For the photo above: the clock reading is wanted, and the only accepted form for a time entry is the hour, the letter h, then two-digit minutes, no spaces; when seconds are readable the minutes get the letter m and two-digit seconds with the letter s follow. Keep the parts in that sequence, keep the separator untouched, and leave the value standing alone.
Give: 3h14
